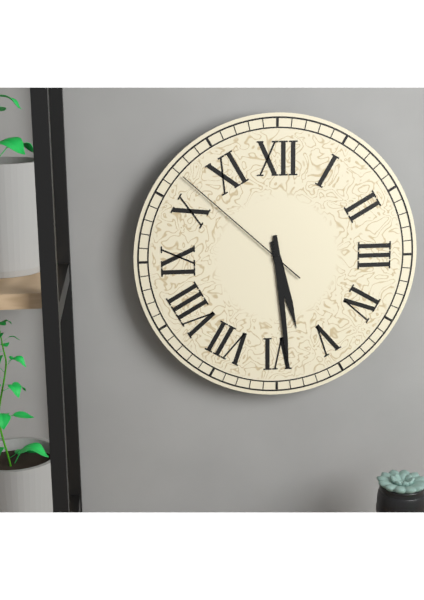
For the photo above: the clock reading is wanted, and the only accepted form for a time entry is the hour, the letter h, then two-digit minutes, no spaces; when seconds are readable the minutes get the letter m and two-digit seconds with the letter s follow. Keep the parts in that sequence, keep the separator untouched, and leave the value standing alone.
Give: 5h29m52s
